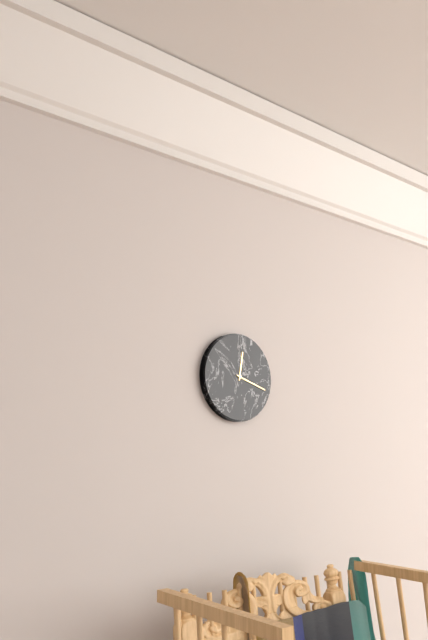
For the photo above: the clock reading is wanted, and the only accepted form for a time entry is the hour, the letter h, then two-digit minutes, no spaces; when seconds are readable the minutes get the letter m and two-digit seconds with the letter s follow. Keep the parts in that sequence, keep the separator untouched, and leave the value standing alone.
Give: 12h18
